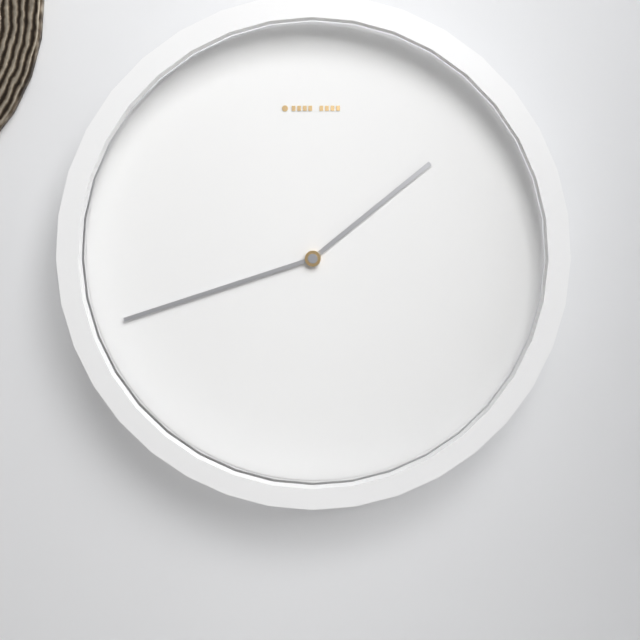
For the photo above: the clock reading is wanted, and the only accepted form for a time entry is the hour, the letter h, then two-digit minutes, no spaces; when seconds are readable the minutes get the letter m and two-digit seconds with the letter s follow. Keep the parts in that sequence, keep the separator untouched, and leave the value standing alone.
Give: 1h42
